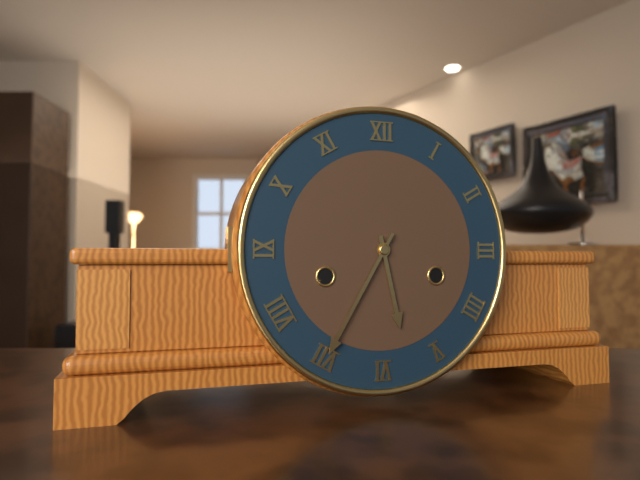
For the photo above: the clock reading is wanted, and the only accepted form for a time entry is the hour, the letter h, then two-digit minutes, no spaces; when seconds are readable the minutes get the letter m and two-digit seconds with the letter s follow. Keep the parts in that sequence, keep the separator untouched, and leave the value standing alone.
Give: 5h35
